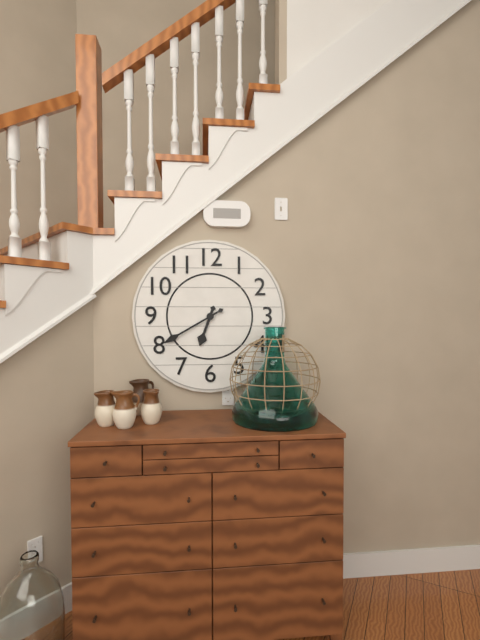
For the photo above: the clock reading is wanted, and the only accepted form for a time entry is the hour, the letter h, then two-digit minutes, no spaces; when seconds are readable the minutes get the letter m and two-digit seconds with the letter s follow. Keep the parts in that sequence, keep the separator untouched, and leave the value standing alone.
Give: 6h40
